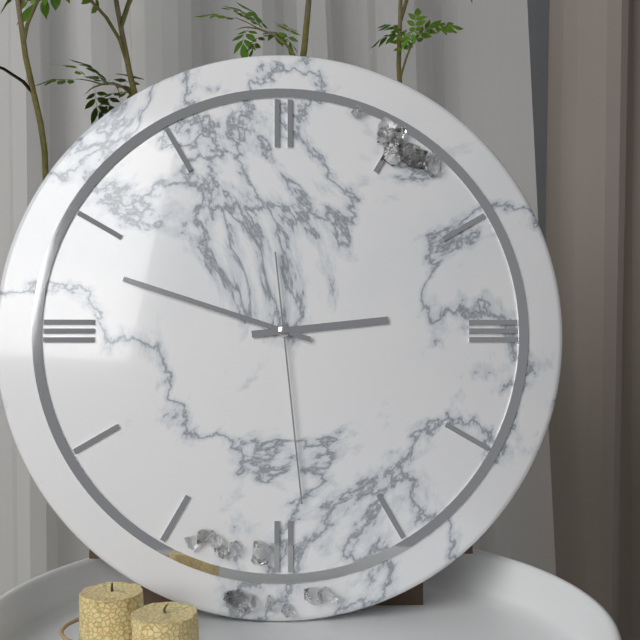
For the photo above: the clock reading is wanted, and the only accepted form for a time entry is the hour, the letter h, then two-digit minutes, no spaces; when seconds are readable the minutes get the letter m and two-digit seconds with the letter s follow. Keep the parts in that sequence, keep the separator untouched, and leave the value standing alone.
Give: 2h48m29s
